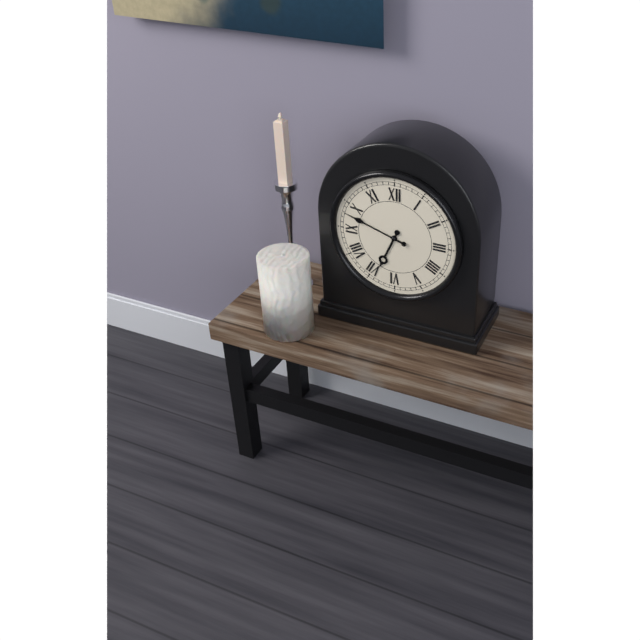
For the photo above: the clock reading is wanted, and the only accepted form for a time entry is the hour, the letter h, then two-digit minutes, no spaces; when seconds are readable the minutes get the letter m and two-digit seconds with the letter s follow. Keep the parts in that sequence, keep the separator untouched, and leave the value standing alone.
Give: 6h48
